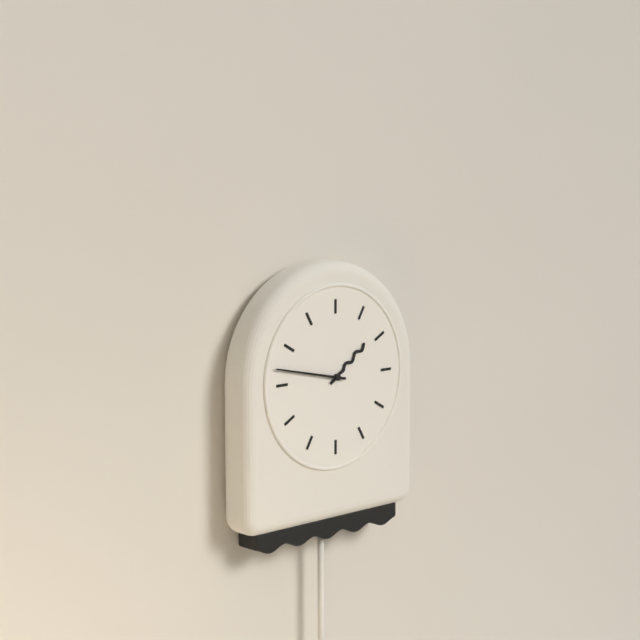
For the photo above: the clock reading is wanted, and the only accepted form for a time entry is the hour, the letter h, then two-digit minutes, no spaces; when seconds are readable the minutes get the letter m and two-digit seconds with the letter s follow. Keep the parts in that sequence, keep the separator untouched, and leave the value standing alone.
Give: 1h47
